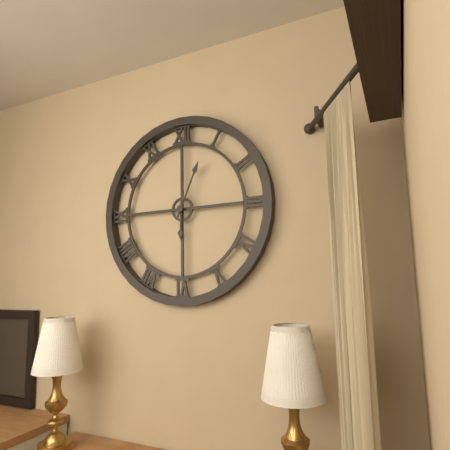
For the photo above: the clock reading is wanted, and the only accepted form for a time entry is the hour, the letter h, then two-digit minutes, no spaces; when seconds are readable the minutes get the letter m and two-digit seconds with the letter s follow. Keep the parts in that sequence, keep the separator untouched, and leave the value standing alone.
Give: 6h04
